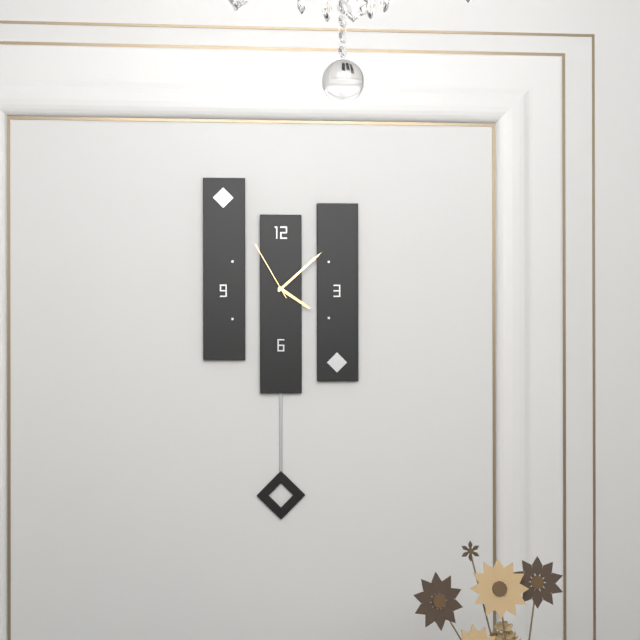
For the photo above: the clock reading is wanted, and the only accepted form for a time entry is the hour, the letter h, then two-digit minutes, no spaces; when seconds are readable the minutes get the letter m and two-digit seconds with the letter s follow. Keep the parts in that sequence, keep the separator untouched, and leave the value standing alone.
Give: 4h08m55s
